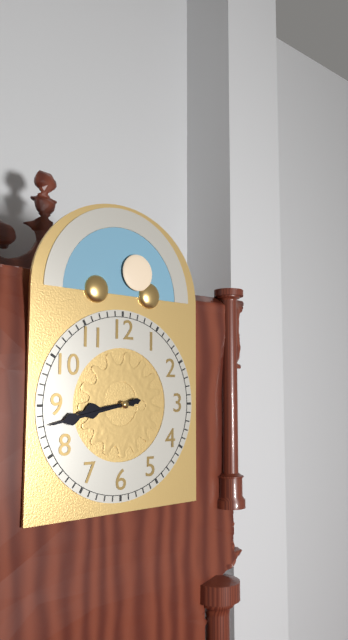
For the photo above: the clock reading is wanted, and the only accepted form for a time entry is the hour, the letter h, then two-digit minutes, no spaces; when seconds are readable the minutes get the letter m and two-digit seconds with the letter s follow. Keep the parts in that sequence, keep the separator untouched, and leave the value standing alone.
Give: 8h43
